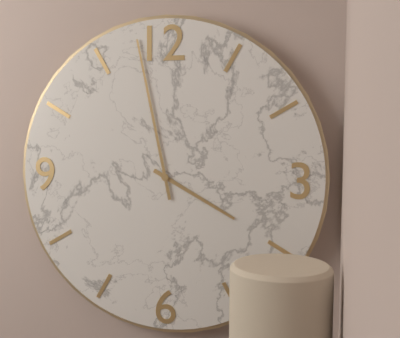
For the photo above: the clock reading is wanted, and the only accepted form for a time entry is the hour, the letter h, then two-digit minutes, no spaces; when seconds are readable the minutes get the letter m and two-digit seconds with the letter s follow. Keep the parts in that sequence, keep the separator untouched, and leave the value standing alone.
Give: 3h58
